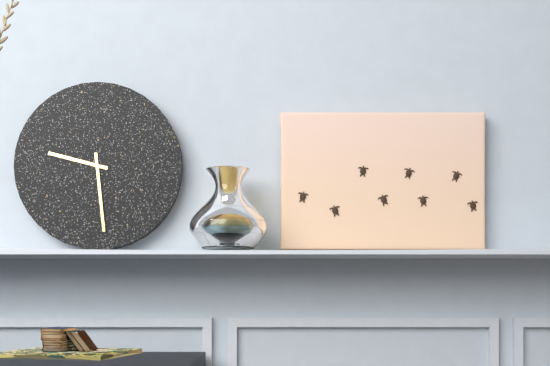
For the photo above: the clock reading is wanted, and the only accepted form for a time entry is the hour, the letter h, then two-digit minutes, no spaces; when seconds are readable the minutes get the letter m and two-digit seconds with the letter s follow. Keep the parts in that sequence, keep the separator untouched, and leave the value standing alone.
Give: 9h29
